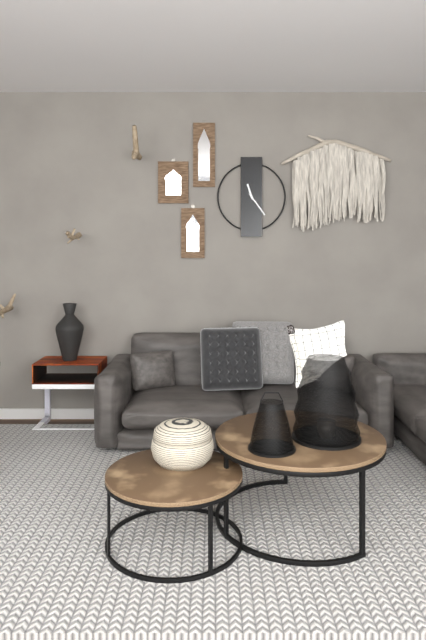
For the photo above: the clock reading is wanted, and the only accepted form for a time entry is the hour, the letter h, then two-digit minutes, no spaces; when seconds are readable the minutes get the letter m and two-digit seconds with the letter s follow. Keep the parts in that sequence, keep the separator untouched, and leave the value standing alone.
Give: 11h24
